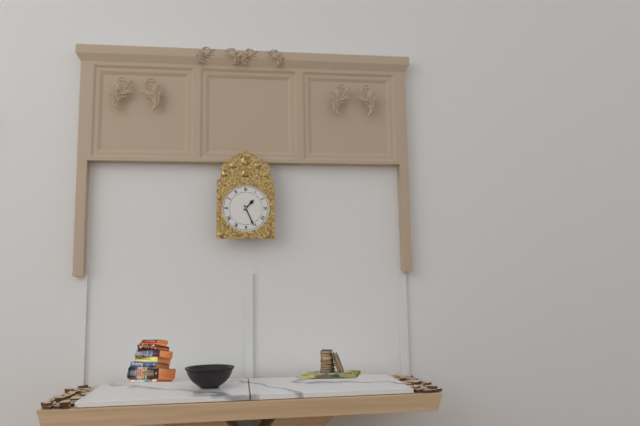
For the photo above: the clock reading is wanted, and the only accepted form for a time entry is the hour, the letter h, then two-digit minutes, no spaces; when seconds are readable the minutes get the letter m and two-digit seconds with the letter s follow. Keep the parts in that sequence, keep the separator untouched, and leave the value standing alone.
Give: 1h26
